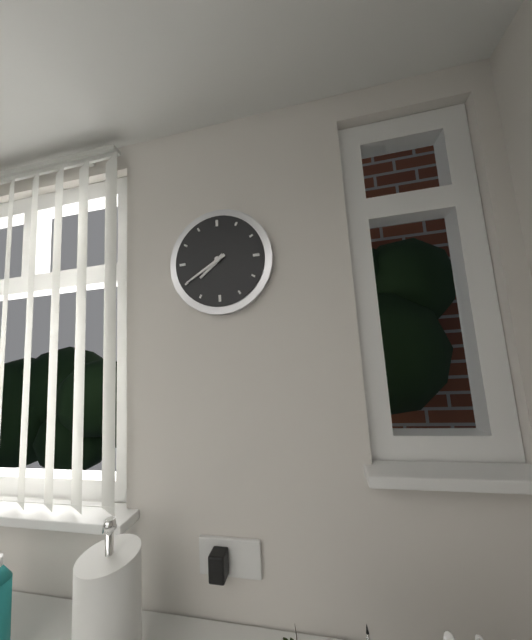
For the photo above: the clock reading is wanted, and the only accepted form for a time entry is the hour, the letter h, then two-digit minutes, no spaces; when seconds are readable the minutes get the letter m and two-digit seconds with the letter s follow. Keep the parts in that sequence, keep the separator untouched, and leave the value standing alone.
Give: 7h40
